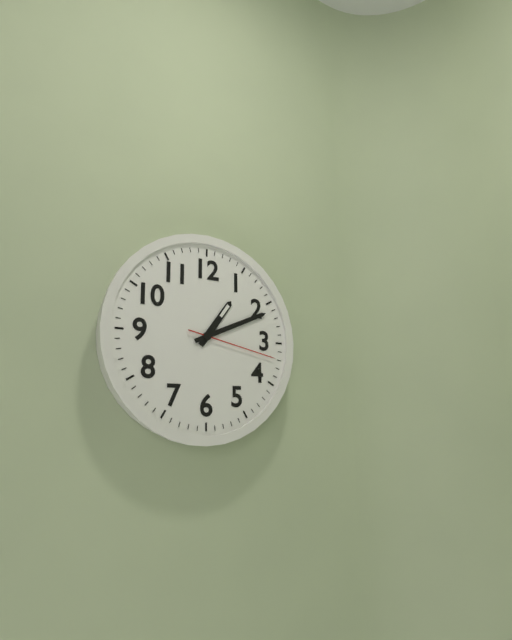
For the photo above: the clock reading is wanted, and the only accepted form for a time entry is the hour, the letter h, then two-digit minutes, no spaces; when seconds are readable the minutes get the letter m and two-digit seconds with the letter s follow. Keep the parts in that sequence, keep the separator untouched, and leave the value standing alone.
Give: 1h11m17s
